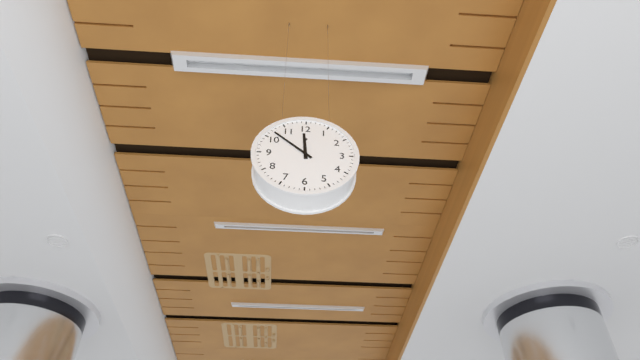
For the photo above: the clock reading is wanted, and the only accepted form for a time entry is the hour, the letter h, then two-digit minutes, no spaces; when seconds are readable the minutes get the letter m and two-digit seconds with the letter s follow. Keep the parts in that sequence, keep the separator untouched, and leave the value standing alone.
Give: 11h52
